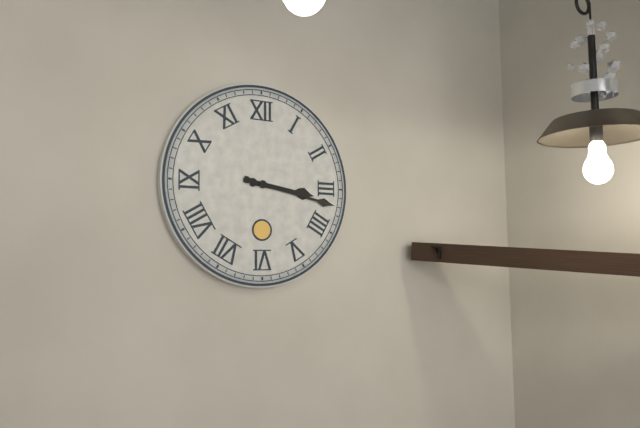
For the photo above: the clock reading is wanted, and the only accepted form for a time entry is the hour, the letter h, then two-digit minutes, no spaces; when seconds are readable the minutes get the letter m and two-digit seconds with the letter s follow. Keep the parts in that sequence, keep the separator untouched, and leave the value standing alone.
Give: 3h17
